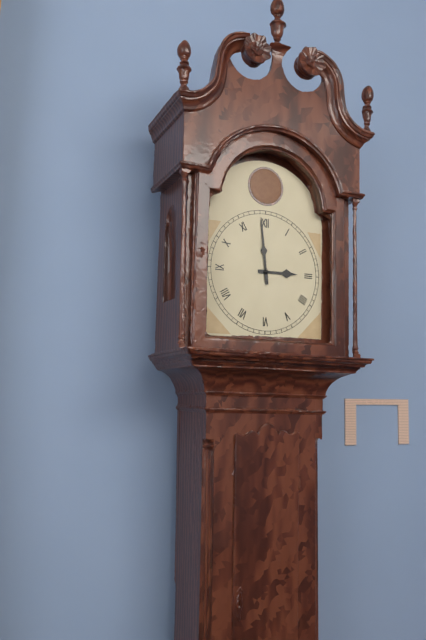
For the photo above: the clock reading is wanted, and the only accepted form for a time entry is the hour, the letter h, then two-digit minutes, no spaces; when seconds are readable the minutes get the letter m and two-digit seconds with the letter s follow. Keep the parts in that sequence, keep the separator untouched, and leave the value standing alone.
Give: 2h59
